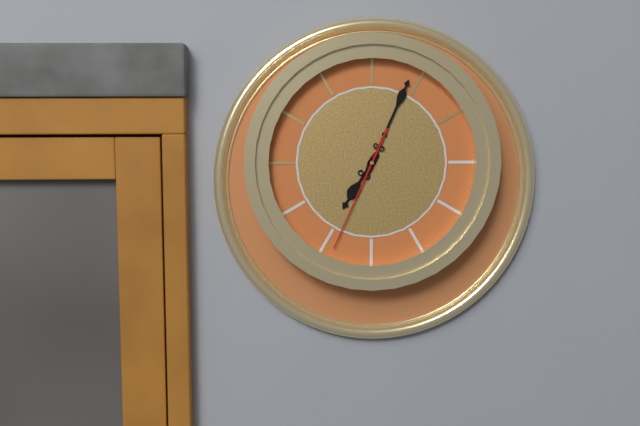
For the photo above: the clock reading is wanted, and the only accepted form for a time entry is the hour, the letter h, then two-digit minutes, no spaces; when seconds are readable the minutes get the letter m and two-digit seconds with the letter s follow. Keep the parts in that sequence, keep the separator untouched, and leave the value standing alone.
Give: 7h04m34s
